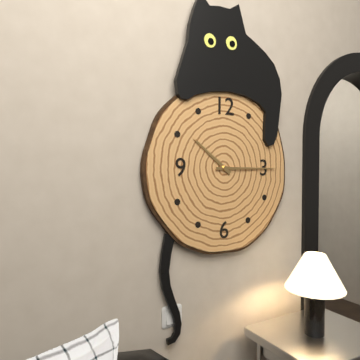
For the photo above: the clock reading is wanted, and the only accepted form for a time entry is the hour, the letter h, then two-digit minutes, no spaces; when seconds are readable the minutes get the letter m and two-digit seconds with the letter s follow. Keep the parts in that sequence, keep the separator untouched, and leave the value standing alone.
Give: 10h15
